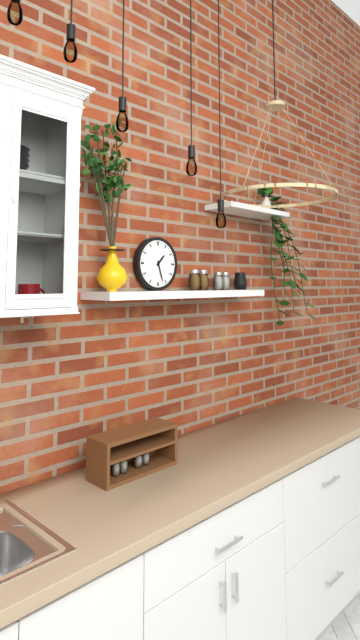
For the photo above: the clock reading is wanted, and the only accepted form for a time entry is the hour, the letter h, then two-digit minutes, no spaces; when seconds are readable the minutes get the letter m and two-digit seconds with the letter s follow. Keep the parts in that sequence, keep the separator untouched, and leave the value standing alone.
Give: 1h27
